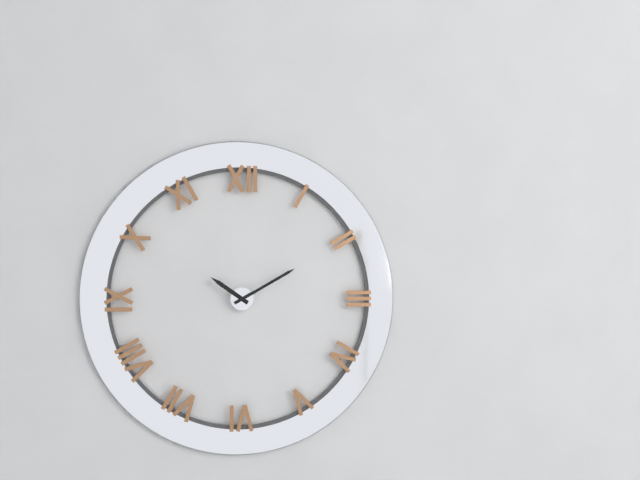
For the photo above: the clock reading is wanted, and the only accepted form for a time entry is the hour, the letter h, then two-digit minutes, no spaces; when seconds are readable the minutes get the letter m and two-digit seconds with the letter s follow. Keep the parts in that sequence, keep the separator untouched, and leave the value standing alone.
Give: 10h10
